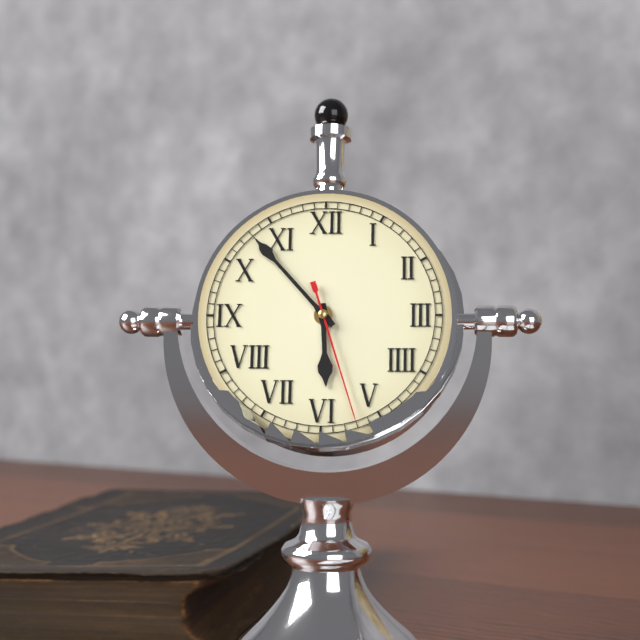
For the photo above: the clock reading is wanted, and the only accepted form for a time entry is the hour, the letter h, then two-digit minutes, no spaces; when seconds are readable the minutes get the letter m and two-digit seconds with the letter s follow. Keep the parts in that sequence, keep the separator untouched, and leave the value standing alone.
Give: 5h53m27s
